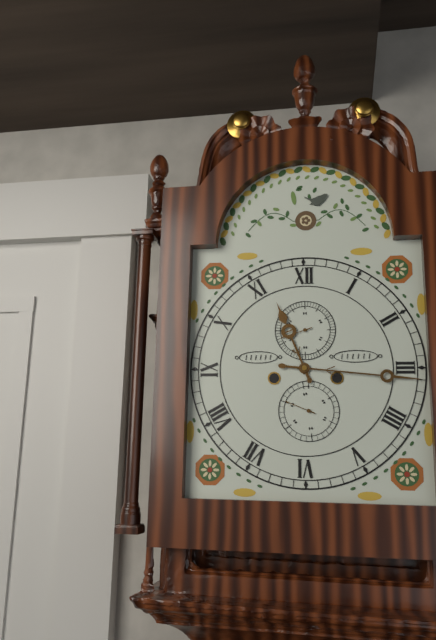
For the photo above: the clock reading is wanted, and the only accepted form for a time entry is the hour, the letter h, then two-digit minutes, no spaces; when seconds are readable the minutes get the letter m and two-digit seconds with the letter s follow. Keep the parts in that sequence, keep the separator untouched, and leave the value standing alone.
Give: 11h16
